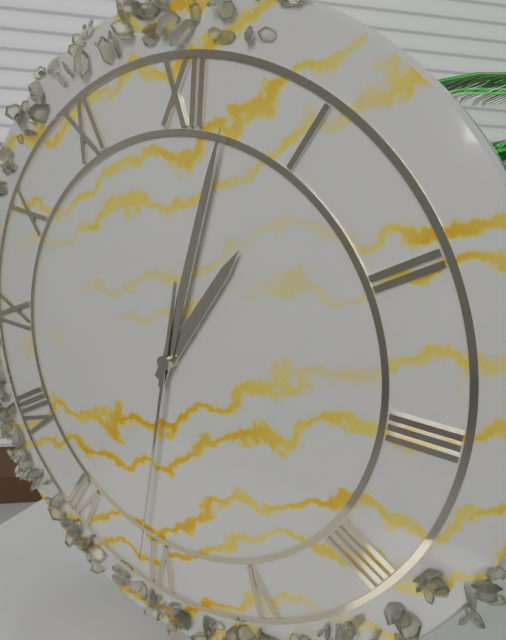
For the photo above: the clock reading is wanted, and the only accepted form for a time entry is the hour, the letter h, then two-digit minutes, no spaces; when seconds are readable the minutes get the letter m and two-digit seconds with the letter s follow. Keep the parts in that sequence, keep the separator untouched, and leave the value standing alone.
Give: 1h02m31s
